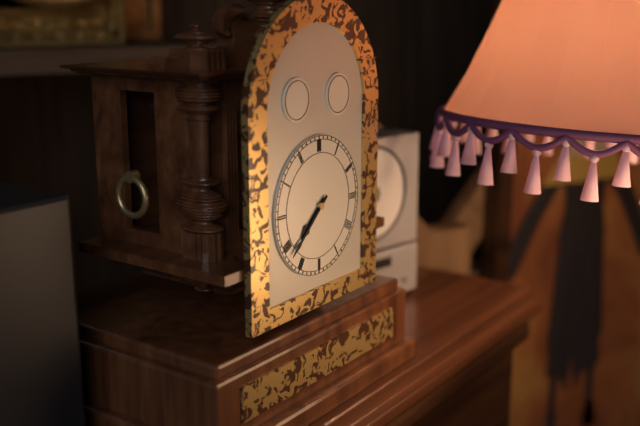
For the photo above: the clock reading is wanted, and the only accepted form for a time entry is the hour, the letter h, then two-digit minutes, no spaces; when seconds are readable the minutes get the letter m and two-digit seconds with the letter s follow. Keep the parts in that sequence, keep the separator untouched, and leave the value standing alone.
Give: 7h38
